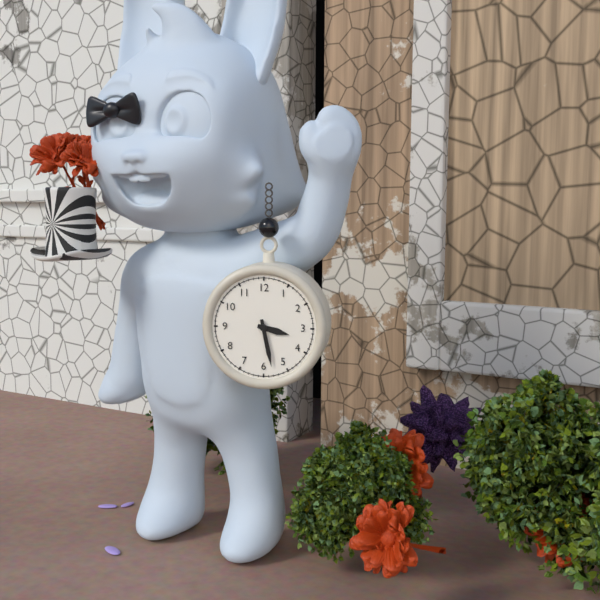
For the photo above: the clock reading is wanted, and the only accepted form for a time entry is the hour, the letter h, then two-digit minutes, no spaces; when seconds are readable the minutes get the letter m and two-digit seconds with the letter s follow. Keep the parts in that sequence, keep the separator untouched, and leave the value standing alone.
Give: 3h28
